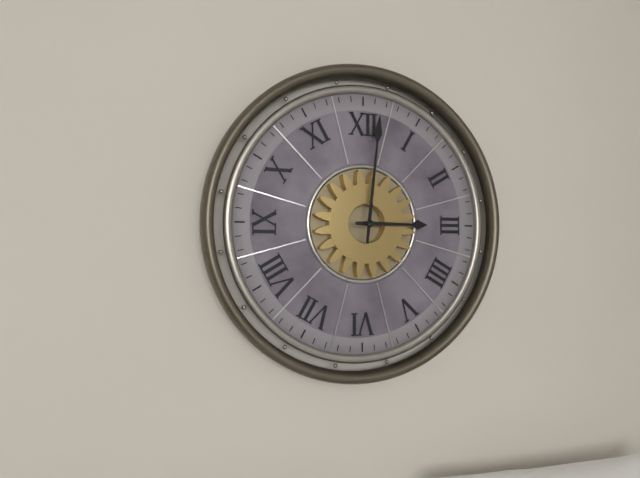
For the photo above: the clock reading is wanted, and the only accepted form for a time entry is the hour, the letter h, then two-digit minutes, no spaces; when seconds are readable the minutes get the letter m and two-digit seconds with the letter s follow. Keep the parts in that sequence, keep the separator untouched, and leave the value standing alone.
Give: 3h01
